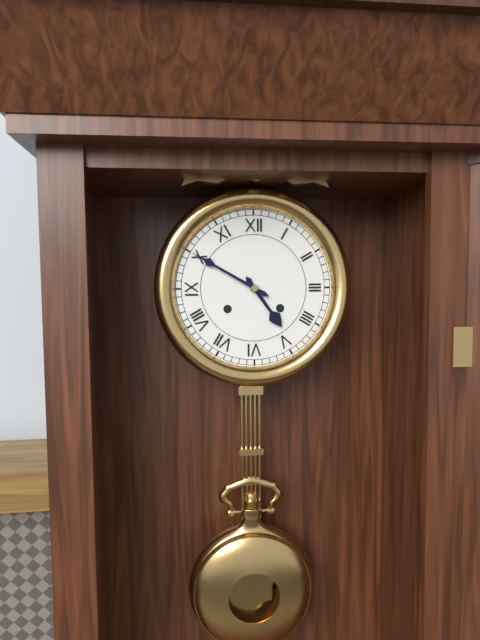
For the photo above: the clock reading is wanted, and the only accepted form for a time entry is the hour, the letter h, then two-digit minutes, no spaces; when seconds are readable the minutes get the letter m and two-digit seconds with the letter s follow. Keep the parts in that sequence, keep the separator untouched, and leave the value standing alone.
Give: 4h50
